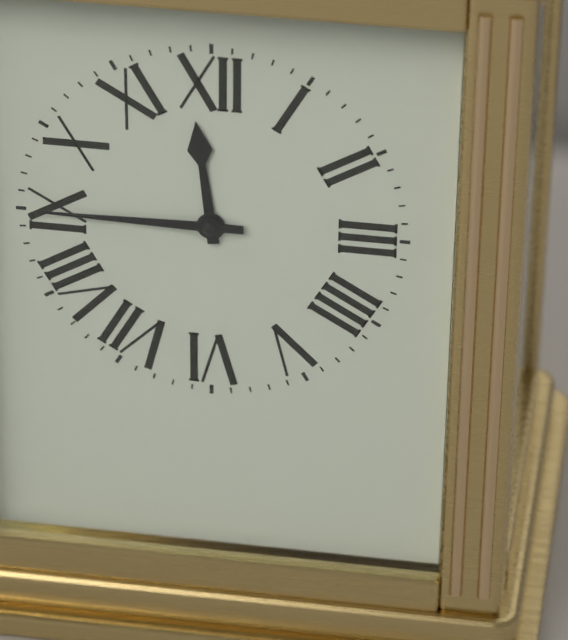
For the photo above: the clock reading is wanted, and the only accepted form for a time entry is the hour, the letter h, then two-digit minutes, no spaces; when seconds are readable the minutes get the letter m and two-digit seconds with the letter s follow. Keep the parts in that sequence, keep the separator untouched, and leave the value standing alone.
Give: 11h45
